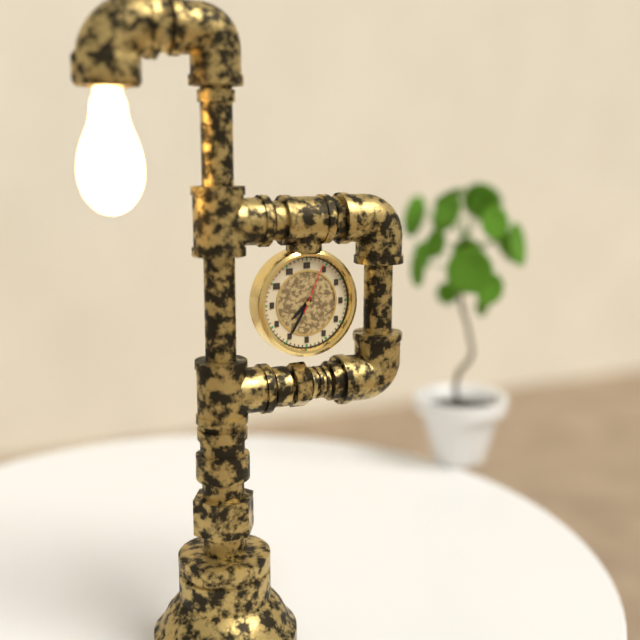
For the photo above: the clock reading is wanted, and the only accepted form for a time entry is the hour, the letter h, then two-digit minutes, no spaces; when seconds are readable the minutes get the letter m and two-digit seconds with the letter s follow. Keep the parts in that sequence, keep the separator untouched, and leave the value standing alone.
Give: 7h35m04s
